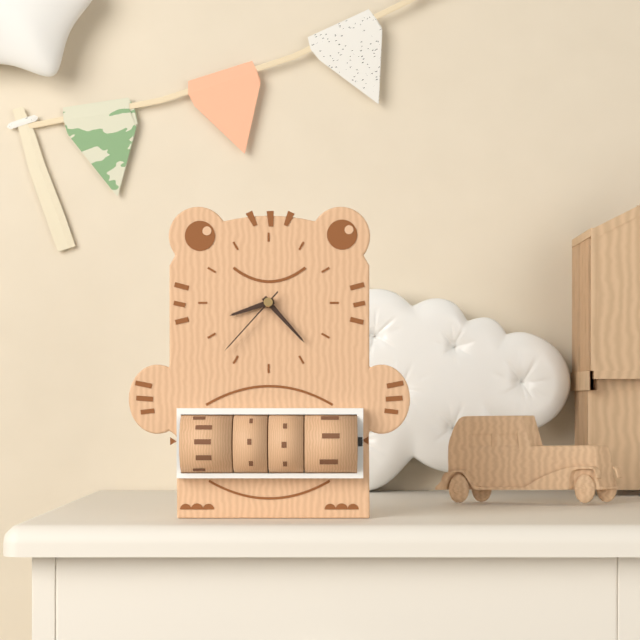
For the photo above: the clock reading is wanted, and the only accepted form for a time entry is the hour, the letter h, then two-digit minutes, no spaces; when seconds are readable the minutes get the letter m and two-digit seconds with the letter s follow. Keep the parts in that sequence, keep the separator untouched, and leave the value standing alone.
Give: 8h23m37s
